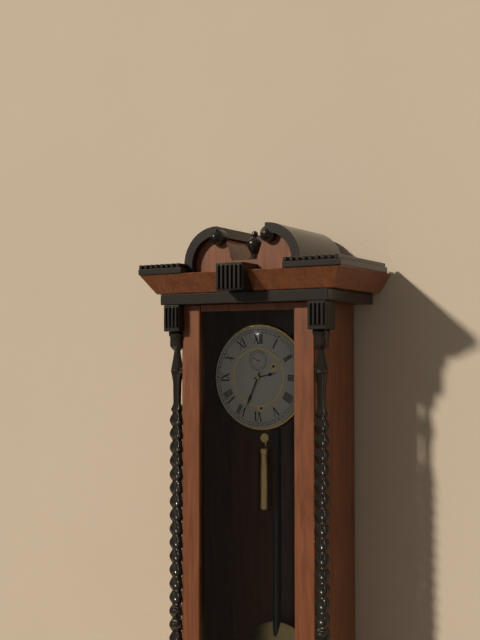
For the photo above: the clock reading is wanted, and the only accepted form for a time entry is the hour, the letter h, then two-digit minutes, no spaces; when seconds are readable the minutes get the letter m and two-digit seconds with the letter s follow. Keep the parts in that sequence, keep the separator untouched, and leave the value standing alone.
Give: 2h34
